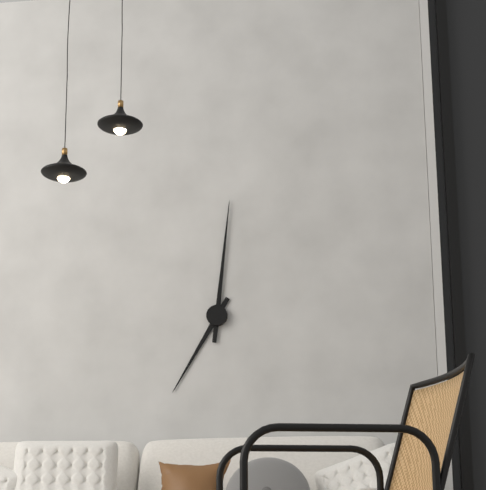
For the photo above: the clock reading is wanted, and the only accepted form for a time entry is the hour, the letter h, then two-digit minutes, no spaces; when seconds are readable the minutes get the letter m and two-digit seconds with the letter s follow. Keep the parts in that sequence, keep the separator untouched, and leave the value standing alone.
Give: 7h01
